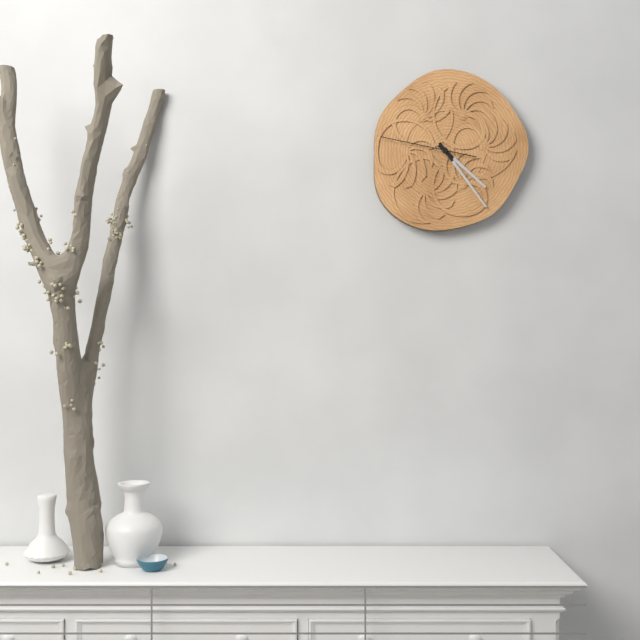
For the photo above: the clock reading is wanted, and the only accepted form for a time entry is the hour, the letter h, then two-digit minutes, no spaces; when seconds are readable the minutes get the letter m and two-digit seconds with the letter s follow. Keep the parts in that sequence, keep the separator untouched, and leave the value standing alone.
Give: 4h24m47s
